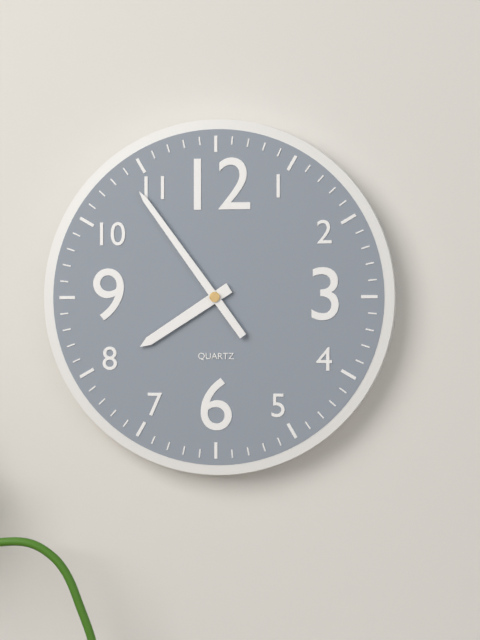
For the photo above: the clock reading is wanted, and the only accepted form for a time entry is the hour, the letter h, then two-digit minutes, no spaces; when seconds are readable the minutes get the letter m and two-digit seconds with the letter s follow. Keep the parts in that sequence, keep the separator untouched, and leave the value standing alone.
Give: 7h54
